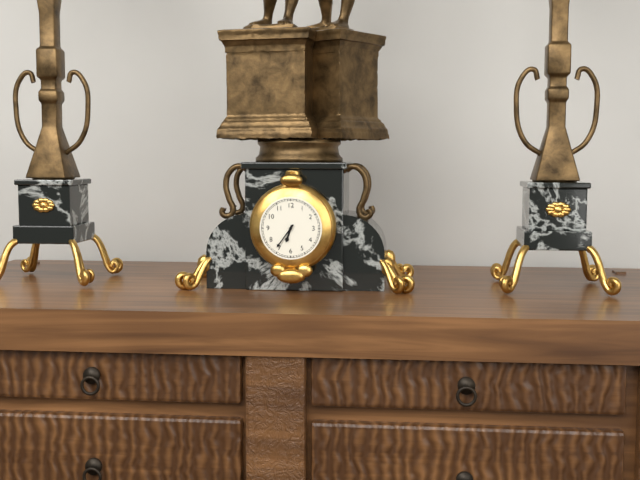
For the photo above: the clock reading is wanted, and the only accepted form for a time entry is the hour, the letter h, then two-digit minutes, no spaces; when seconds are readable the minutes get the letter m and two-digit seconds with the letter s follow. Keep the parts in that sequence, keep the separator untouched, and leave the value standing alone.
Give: 6h36
